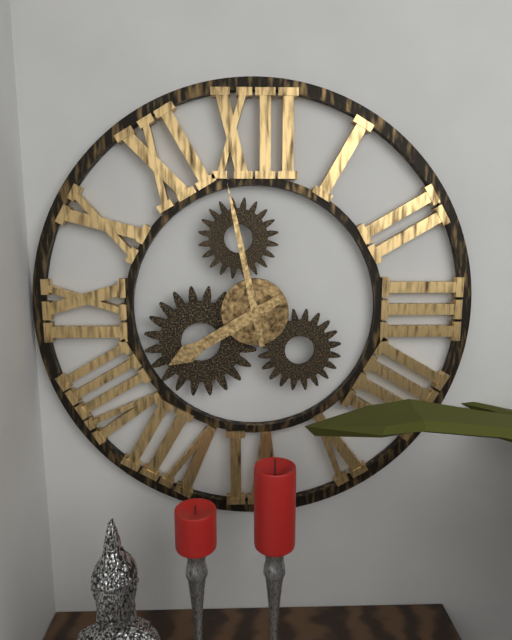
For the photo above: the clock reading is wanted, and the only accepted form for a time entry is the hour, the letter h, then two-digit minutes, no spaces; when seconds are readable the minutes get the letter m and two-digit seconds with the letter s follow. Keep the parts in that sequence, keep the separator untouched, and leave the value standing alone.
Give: 7h58
